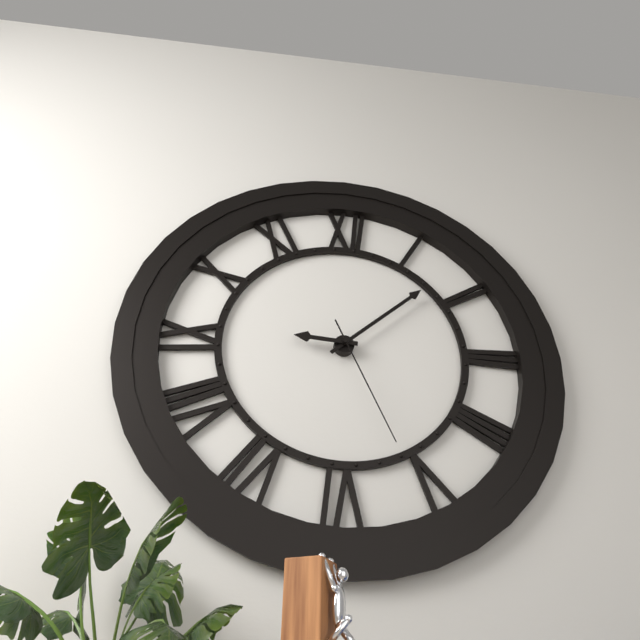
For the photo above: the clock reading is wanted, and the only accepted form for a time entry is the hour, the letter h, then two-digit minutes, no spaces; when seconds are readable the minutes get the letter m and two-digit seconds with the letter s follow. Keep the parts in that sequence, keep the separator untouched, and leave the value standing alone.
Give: 9h08m26s
